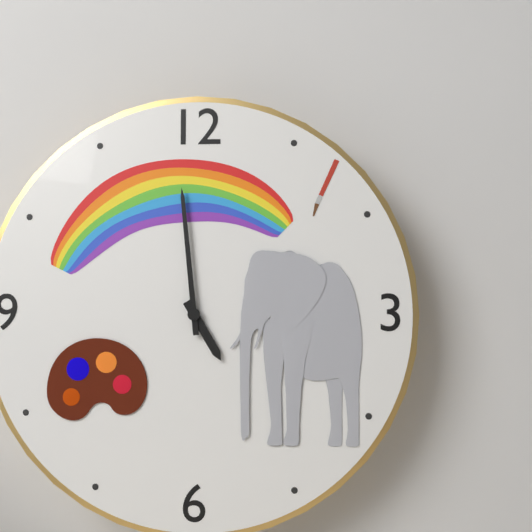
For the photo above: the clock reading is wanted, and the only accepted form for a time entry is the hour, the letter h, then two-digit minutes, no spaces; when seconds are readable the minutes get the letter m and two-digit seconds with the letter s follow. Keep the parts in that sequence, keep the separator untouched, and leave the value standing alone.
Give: 4h59
